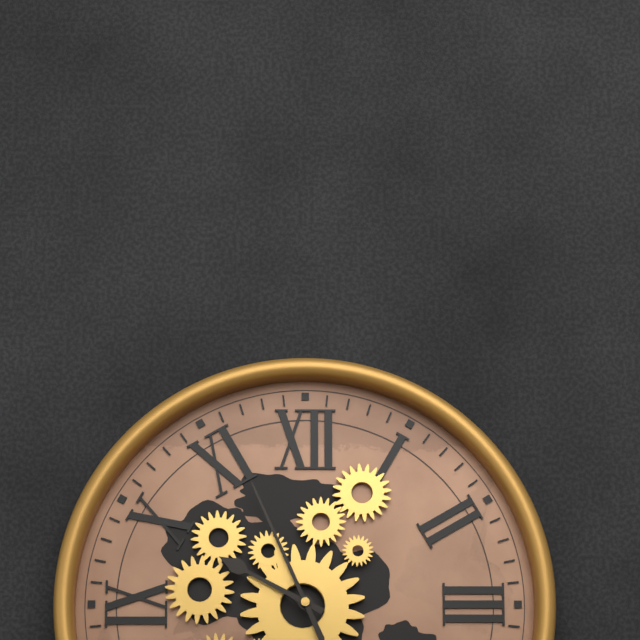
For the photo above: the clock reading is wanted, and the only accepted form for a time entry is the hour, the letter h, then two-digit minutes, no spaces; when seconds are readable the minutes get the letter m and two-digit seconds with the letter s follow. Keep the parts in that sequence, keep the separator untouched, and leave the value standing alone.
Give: 9h56
